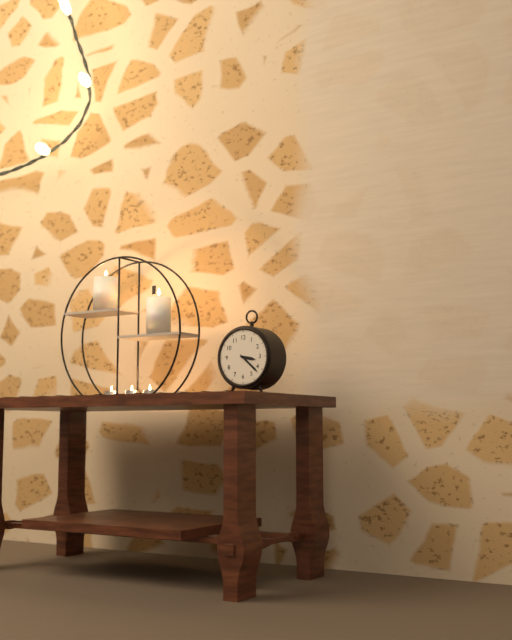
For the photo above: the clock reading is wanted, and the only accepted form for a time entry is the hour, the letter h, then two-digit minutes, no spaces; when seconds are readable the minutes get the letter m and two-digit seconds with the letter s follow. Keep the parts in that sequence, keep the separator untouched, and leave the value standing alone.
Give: 3h22
